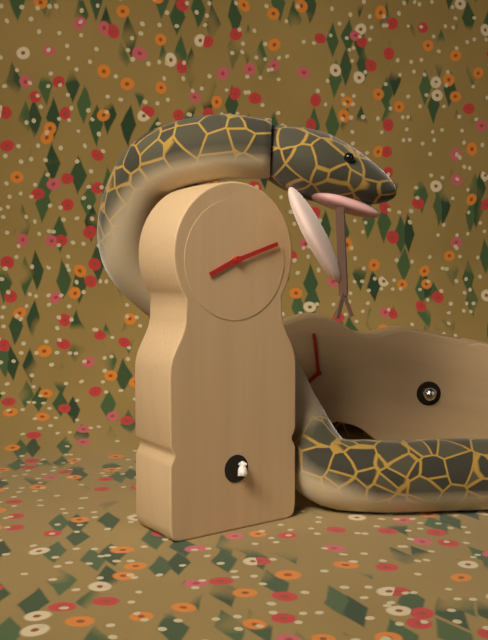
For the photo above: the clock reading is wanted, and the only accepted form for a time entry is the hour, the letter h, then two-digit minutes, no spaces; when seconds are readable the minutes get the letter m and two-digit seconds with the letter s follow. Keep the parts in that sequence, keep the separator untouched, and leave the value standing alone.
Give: 8h12
